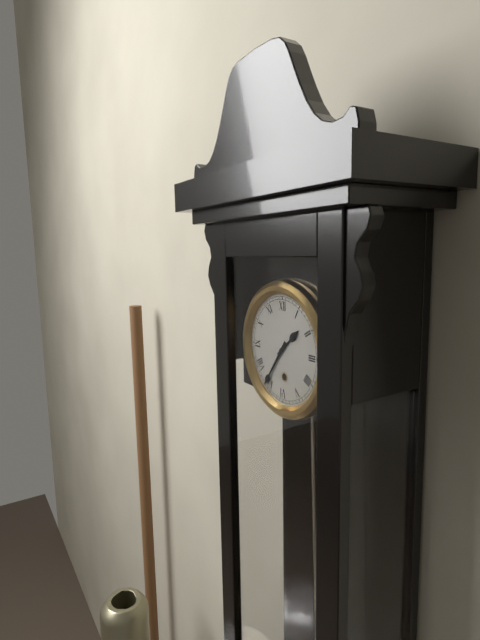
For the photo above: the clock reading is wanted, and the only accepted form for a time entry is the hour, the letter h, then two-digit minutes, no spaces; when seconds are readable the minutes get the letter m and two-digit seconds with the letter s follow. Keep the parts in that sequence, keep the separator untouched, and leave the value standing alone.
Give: 1h36
